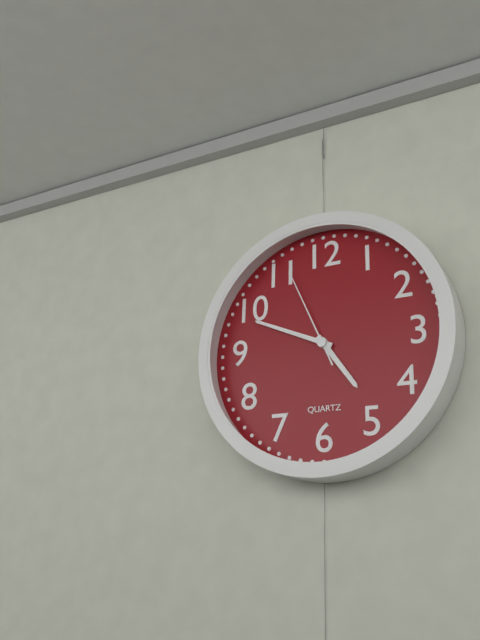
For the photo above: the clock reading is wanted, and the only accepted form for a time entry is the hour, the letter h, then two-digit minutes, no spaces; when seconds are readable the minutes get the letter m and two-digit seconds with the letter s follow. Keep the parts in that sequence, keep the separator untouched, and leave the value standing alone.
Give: 4h49m56s
